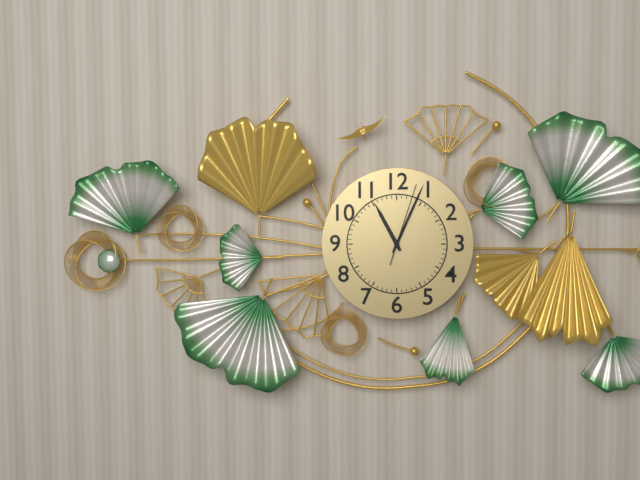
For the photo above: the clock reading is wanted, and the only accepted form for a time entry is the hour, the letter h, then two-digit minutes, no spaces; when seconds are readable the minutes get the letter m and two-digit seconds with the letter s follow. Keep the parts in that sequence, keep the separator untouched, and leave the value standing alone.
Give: 11h04m03s
